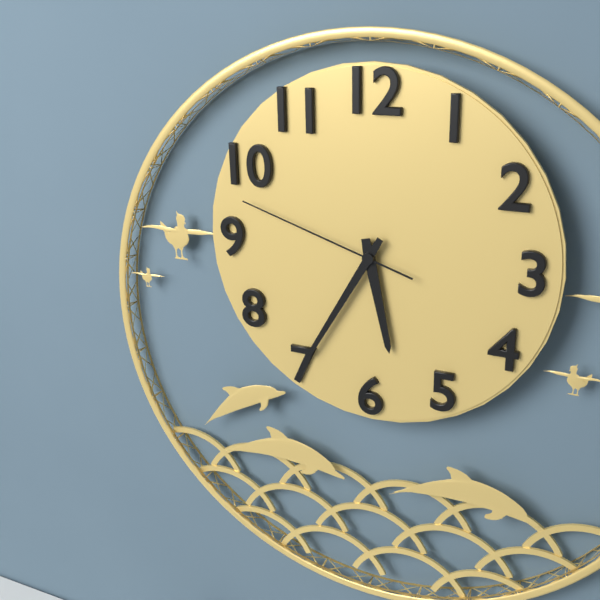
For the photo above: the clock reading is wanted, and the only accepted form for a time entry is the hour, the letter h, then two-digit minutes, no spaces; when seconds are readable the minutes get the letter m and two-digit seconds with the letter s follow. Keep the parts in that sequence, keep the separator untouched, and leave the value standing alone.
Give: 5h35m48s
